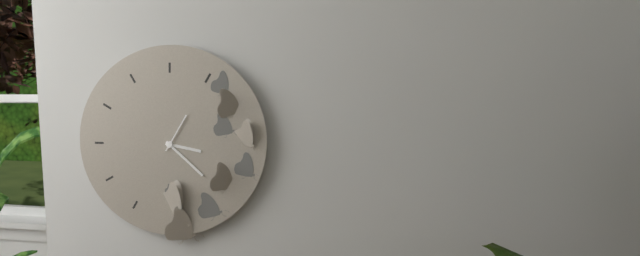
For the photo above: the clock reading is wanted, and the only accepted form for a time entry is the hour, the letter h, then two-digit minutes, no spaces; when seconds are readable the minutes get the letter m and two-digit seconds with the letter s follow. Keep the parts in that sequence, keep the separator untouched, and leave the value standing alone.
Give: 3h22
